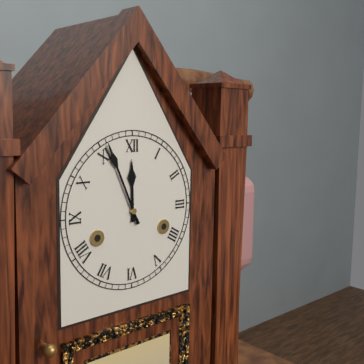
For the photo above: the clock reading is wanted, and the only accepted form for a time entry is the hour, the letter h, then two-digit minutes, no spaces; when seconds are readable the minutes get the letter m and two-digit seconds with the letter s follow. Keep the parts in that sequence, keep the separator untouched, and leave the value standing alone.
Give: 11h56
